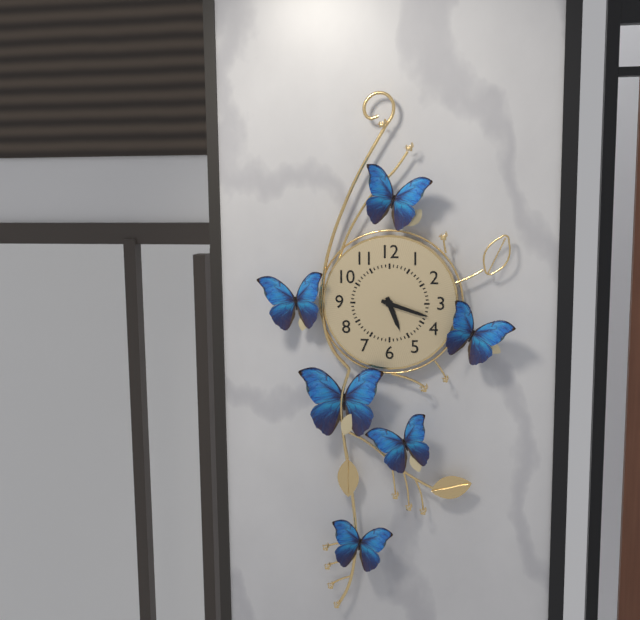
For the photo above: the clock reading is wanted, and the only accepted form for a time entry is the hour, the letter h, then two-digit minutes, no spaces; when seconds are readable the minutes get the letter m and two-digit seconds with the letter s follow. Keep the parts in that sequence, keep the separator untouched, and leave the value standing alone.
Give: 5h18
